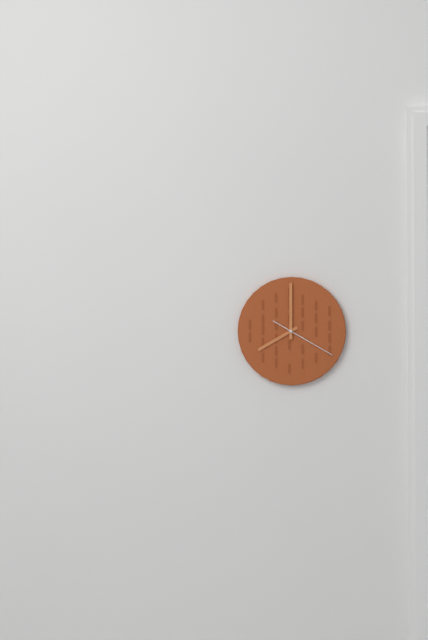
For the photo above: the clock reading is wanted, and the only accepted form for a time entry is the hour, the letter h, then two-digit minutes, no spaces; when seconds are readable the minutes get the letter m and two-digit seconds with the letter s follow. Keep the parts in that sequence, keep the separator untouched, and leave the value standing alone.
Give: 8h00m20s
